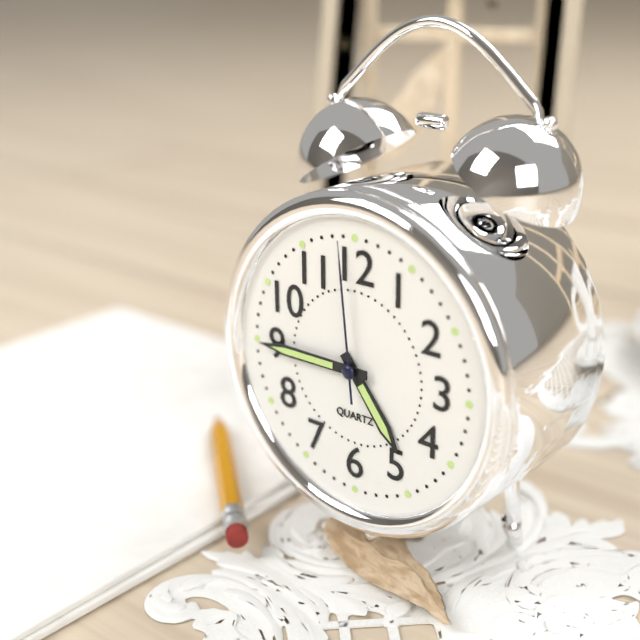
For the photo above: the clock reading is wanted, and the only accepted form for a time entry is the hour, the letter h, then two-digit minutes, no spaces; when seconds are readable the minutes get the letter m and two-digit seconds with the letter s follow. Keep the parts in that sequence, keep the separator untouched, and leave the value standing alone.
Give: 4h45m59s
